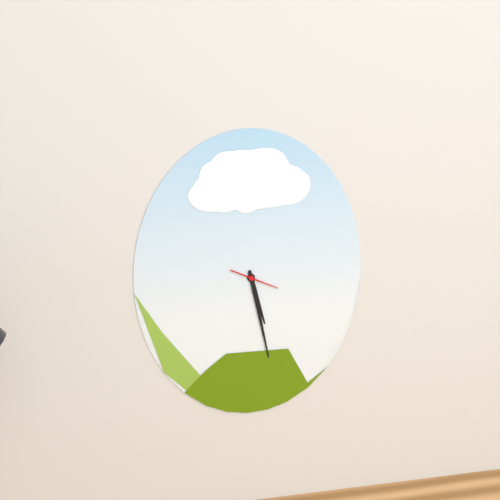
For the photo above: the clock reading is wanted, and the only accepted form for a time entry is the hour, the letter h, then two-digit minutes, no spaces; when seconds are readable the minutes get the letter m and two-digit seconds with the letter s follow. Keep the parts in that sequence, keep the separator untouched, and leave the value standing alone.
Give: 5h28
